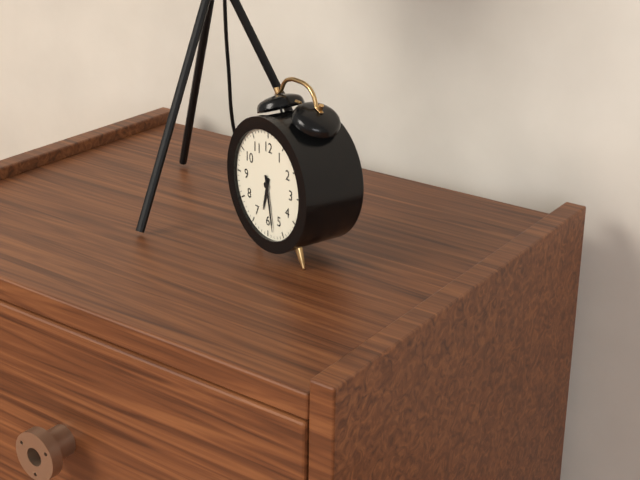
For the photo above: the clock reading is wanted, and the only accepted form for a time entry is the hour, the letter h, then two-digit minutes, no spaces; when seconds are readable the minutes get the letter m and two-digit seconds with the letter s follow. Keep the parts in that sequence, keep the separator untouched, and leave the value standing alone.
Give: 6h28
